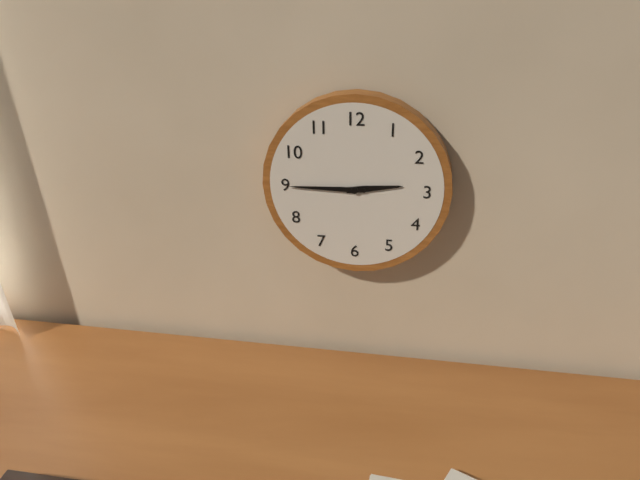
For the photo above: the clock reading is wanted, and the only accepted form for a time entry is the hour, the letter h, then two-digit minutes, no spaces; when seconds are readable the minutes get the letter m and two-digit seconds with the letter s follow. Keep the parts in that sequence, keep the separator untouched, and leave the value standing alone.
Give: 2h45
